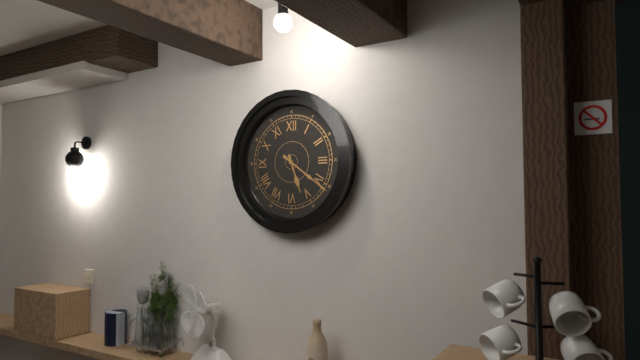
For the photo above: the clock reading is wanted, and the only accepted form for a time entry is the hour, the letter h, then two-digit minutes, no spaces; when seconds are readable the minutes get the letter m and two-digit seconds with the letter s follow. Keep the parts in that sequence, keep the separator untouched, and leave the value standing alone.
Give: 5h21
